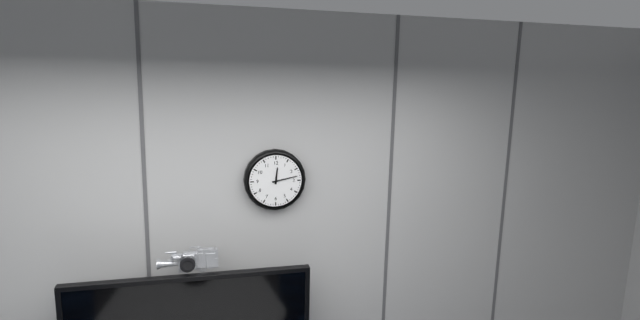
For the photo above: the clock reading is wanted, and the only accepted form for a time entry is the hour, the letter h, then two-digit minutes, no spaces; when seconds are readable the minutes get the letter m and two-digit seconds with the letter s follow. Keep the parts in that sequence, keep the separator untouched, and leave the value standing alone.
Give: 12h13
